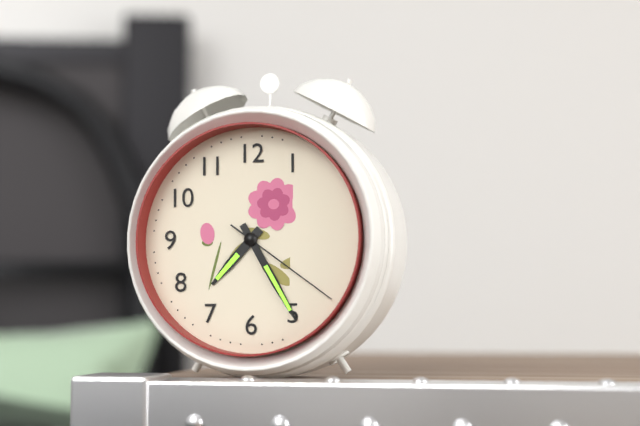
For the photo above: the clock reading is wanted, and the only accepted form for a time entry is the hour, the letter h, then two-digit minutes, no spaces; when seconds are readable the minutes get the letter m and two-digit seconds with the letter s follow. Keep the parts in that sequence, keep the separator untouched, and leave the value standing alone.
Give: 7h25m21s
